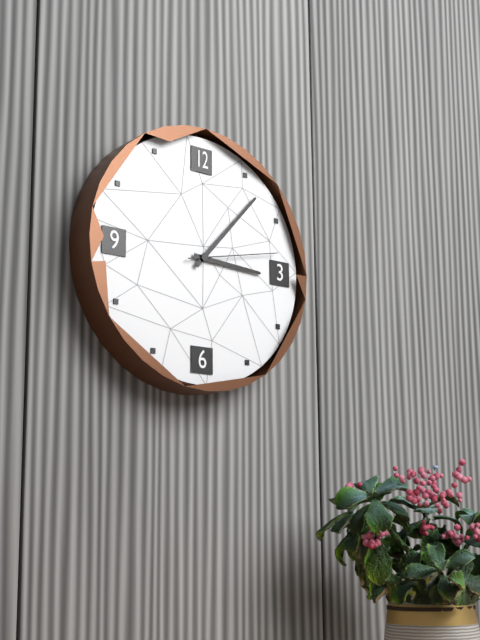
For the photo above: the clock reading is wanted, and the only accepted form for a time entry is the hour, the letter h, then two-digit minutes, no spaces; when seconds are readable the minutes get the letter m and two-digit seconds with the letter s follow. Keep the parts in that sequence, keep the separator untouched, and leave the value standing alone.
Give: 3h07m13s
